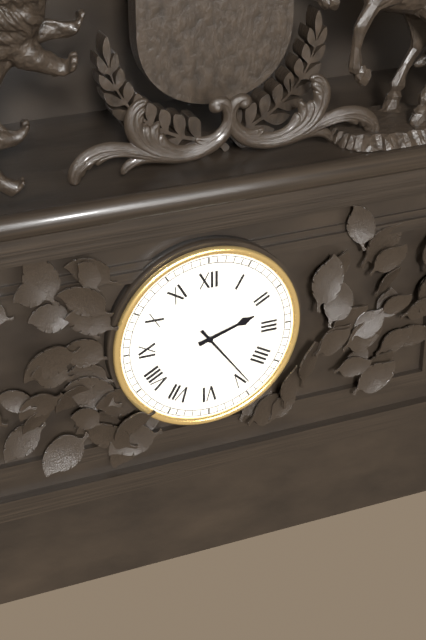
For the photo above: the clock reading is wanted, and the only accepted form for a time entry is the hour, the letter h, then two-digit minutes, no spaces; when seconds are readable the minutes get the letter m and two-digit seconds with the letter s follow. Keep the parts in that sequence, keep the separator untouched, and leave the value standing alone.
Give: 2h24
